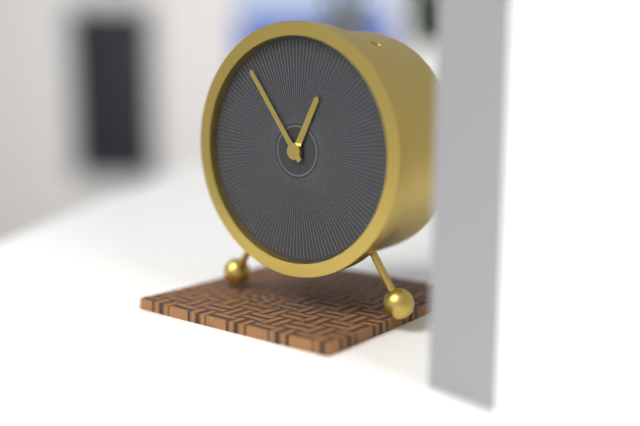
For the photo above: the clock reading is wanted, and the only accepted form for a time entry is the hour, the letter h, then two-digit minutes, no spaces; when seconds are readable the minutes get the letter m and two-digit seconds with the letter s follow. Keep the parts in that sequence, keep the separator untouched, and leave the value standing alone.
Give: 12h54
